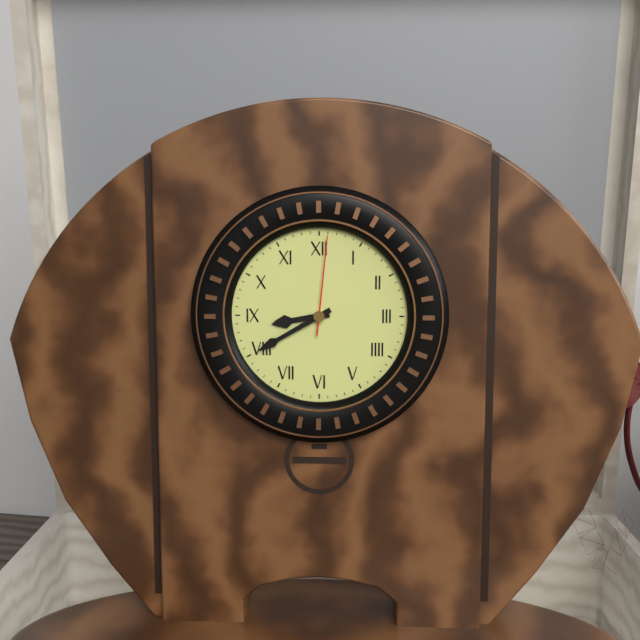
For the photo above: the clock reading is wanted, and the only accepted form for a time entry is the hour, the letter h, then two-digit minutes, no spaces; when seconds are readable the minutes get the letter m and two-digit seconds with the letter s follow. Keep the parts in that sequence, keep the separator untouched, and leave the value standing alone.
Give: 8h40m01s
